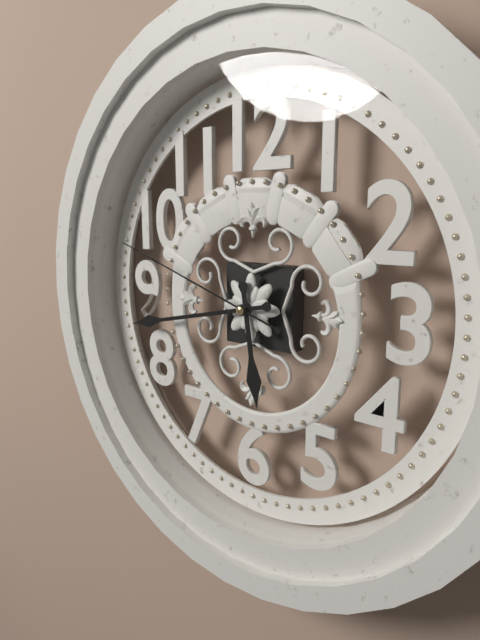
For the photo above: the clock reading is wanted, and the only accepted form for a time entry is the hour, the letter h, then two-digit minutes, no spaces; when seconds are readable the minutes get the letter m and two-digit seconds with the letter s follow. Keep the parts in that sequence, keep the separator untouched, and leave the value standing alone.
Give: 5h43m48s
